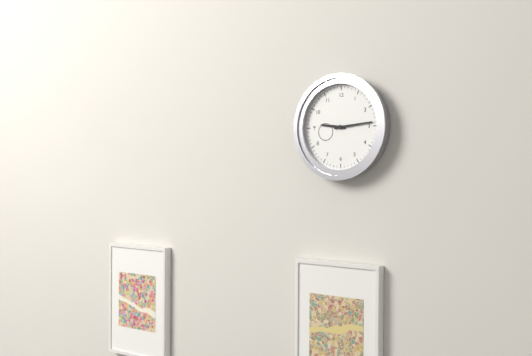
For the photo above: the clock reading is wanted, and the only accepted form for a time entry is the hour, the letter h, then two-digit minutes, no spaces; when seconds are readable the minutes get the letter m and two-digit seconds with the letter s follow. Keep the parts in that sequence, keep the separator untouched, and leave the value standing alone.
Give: 9h14
